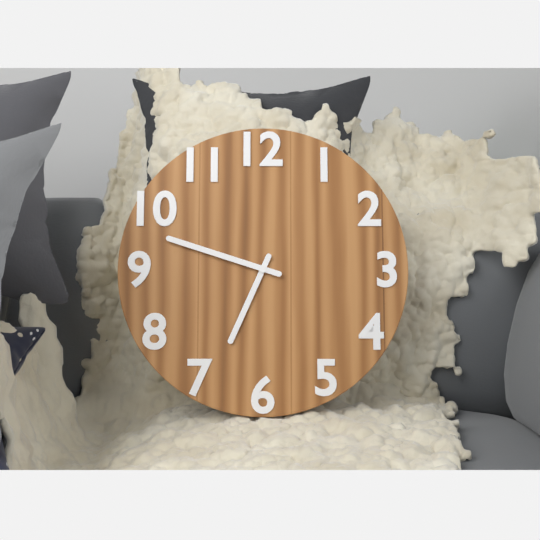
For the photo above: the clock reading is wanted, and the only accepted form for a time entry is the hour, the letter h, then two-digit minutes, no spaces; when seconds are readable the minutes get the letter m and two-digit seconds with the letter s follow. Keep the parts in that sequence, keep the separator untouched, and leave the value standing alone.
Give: 6h48
